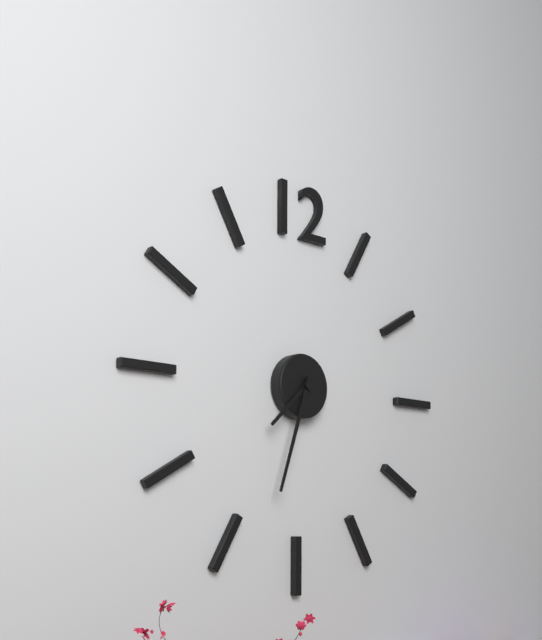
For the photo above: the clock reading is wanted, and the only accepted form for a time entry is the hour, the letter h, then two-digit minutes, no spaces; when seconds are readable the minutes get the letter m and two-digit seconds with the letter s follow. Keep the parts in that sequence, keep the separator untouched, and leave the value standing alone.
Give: 7h33
